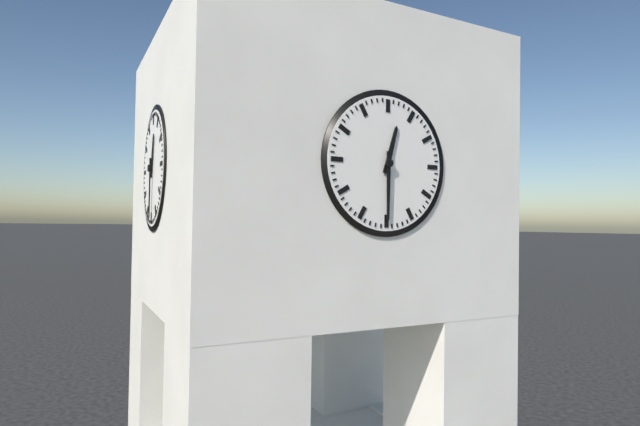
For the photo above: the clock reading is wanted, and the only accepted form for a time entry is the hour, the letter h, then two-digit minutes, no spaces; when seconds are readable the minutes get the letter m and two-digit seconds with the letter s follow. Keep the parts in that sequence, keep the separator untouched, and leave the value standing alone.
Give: 12h30
